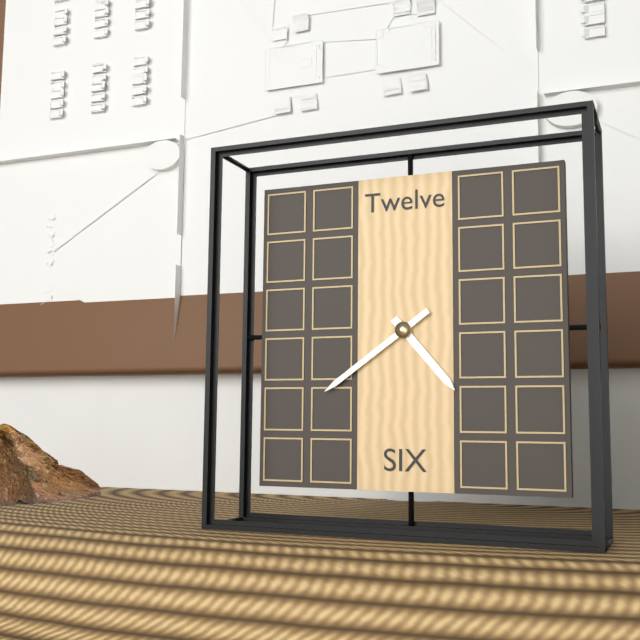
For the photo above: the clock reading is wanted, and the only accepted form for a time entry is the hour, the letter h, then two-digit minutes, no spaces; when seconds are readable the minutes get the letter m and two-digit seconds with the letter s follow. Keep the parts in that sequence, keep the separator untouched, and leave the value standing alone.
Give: 4h39
